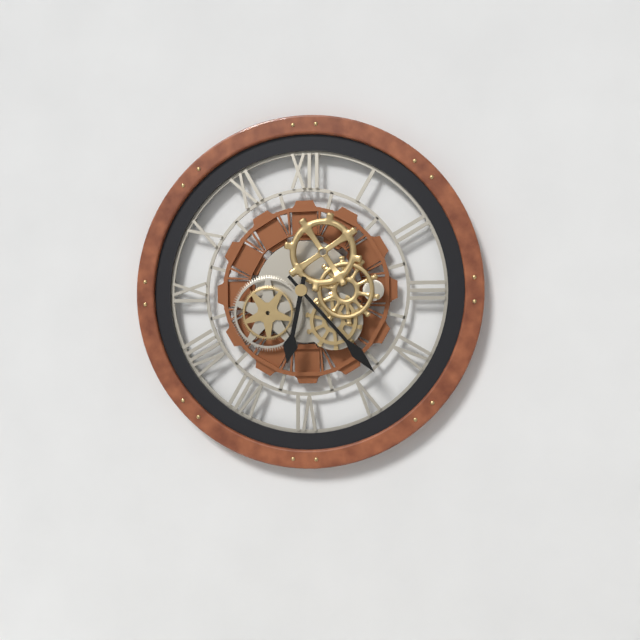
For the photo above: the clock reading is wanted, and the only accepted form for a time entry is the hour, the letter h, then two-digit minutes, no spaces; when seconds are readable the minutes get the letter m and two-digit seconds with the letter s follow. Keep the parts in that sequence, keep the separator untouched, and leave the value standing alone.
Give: 6h23
